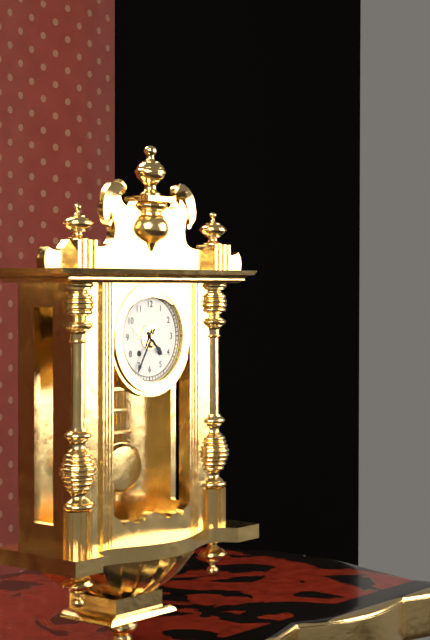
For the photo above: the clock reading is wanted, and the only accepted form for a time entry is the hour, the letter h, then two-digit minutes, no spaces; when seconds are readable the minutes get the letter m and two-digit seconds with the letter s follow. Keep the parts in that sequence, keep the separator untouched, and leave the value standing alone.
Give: 4h35
